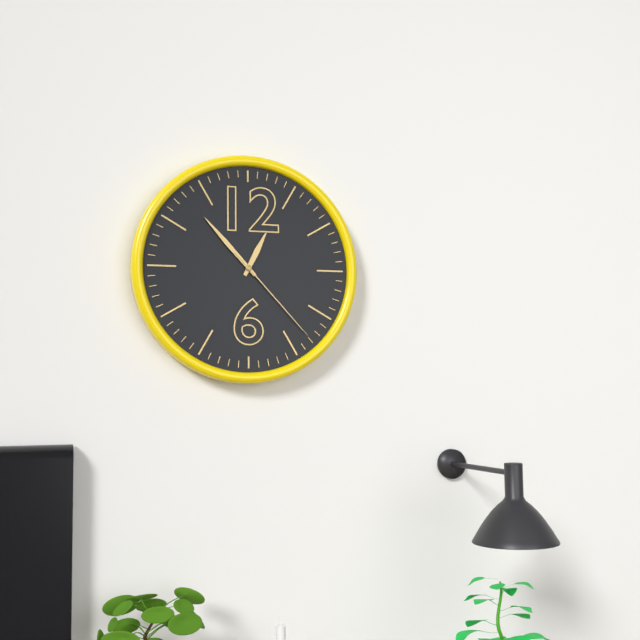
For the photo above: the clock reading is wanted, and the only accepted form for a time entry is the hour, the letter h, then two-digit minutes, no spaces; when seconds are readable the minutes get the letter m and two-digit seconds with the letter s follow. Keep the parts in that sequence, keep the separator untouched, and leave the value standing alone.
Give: 12h53m23s
